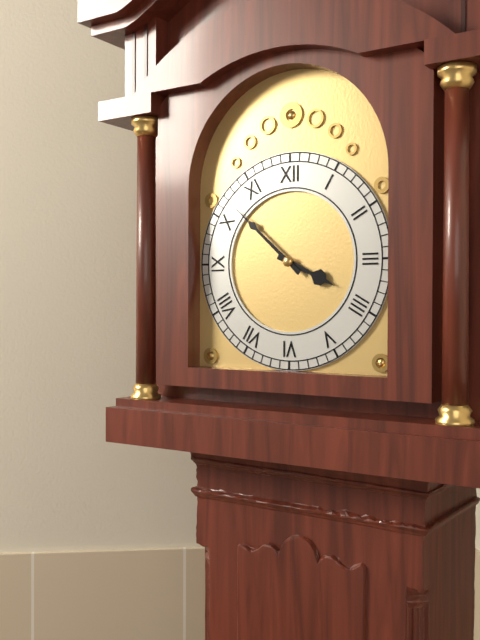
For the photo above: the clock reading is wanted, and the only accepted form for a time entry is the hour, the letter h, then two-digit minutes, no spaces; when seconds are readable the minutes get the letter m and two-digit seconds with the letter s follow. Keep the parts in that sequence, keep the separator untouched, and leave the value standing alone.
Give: 3h52
